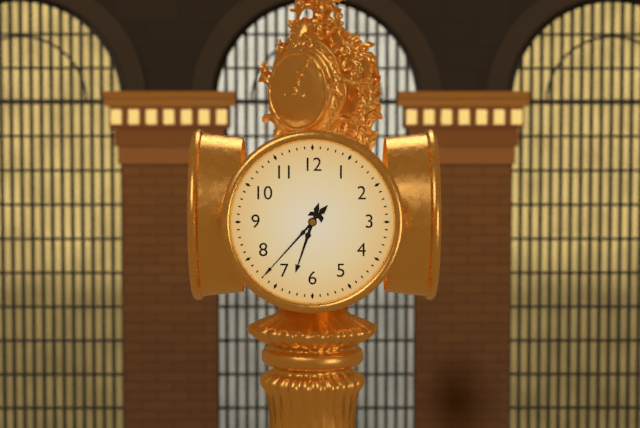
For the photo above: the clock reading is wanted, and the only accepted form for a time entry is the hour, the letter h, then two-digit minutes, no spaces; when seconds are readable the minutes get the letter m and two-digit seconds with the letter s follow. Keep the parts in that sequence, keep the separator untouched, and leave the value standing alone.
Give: 6h37
